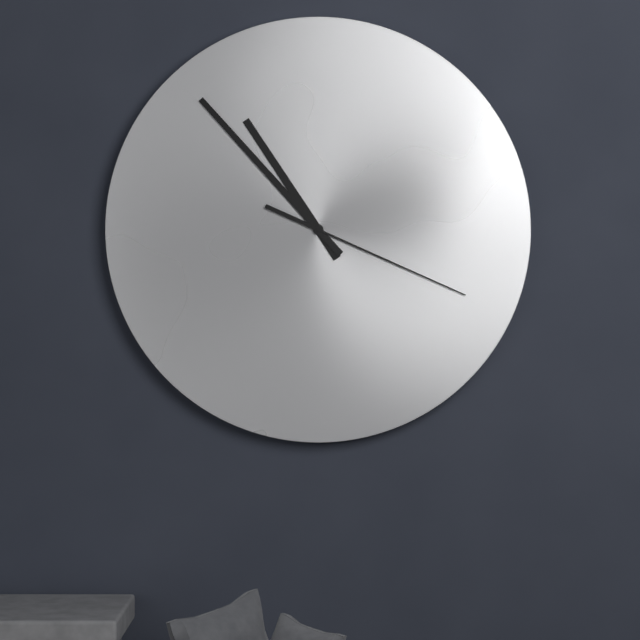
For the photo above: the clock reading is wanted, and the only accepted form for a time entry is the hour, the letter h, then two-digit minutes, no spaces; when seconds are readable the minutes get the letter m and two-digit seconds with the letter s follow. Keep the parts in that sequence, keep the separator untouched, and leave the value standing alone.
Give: 10h53m19s
